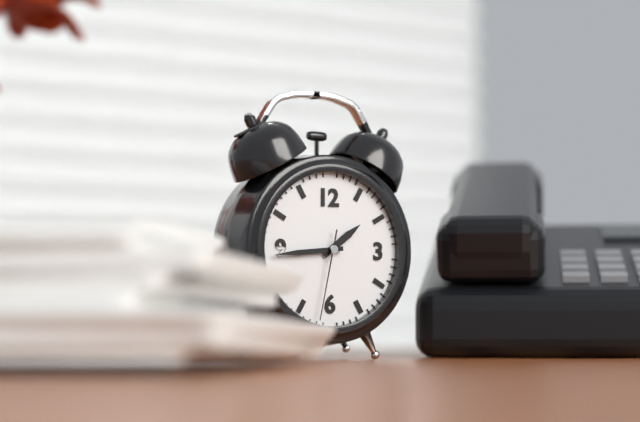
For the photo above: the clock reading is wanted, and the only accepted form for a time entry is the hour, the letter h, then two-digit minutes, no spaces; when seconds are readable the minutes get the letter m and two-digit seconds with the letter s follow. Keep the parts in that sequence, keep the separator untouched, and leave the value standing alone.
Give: 1h44m32s
